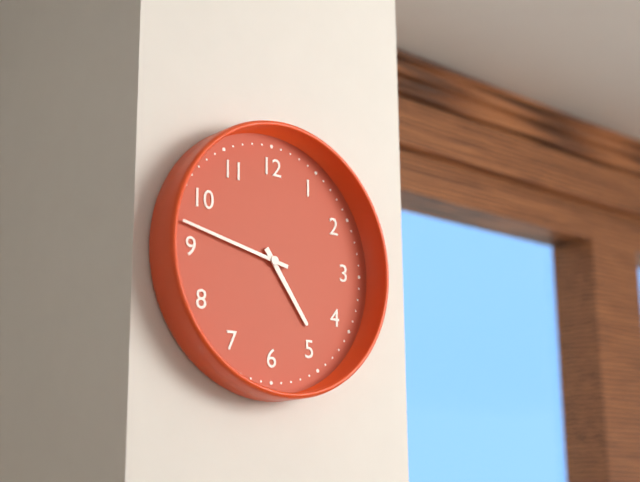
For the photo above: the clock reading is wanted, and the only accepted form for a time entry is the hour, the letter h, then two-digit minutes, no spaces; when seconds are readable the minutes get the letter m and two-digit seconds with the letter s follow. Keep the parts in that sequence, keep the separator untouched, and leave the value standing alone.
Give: 4h47
